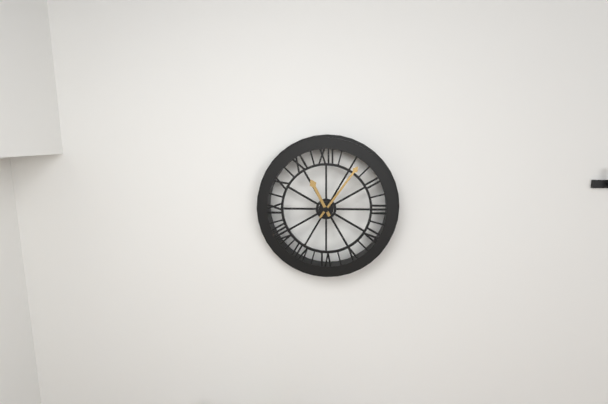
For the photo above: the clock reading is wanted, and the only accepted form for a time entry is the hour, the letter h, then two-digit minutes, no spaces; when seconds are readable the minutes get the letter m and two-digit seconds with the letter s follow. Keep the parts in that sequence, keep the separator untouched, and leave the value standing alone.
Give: 11h06
